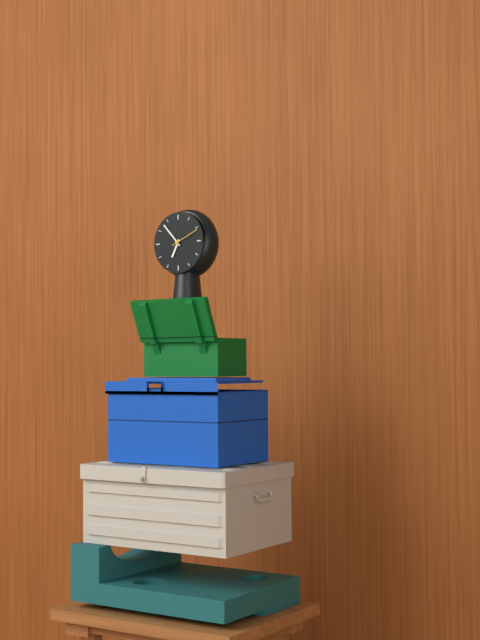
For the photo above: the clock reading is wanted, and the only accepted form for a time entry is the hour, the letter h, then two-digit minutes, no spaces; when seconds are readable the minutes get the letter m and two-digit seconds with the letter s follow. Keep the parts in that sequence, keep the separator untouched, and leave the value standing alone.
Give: 6h53
